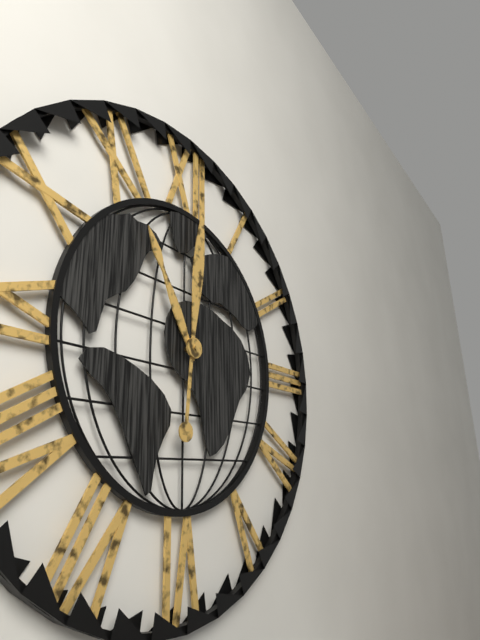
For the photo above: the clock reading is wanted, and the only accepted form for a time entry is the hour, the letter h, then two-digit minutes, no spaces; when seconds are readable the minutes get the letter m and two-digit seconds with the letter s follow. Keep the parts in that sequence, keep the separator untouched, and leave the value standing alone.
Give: 11h01
